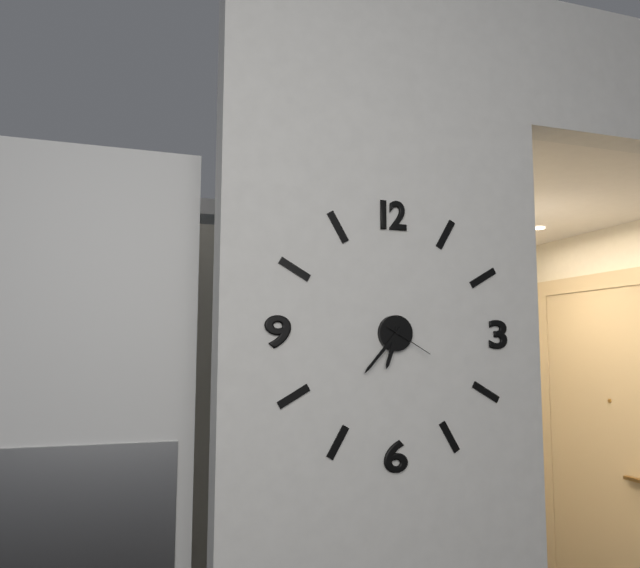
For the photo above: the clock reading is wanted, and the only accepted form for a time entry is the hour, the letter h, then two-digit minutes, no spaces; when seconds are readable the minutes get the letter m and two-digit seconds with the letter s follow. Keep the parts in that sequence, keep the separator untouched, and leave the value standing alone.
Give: 6h37m20s
